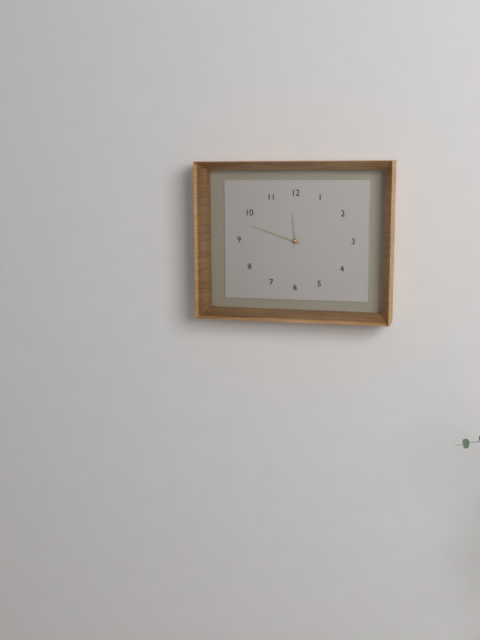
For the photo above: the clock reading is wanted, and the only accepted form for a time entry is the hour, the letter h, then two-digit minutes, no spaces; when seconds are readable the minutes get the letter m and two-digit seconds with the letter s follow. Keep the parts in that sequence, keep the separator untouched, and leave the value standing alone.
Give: 11h48
